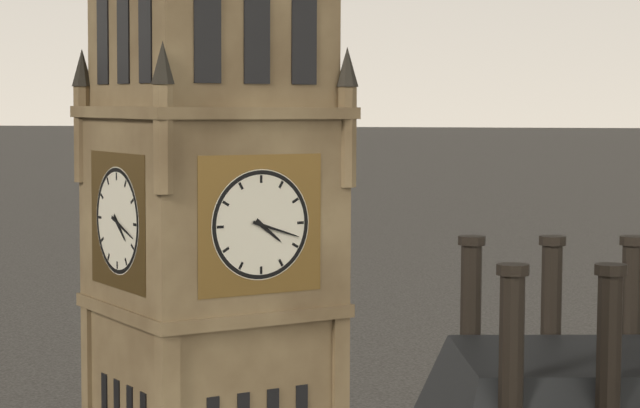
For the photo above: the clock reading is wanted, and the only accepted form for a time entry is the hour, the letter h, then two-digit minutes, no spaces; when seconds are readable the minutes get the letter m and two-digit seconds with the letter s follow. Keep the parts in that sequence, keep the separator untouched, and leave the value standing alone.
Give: 4h18
